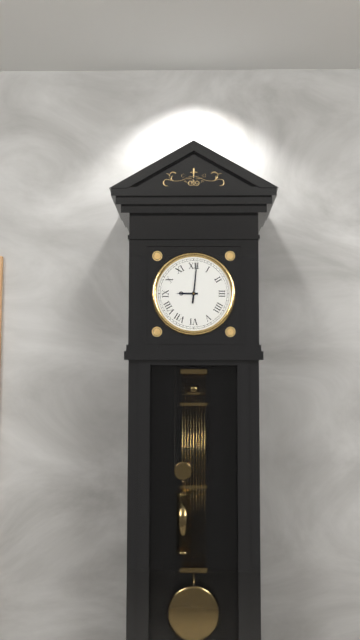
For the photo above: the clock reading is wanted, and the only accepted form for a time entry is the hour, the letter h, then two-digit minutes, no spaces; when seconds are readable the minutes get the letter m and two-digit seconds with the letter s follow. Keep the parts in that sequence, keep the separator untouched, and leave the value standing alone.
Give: 9h01
